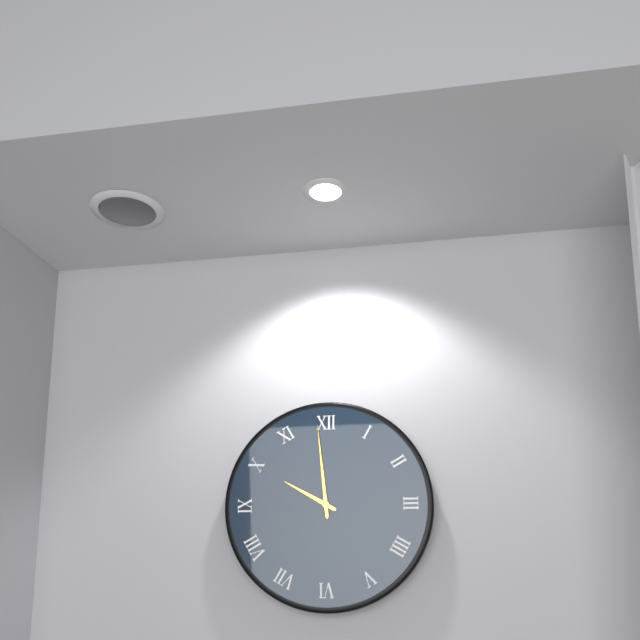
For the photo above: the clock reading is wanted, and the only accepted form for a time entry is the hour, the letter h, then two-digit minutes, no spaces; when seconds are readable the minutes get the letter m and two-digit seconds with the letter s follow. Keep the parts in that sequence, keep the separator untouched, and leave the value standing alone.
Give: 9h59
